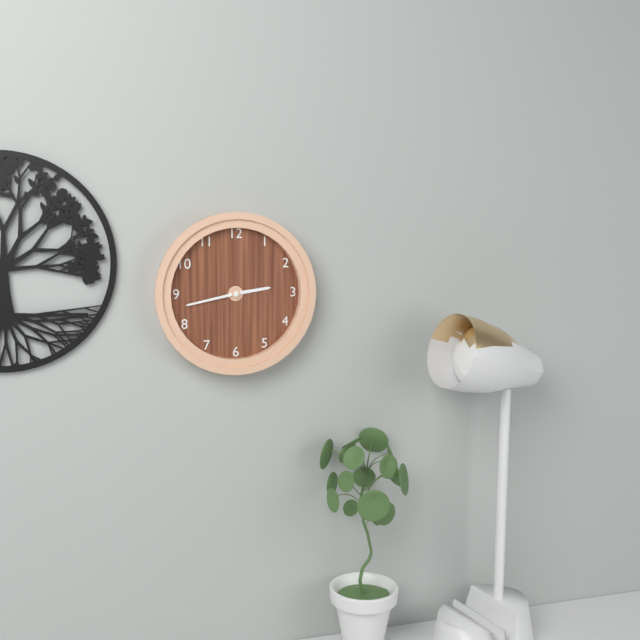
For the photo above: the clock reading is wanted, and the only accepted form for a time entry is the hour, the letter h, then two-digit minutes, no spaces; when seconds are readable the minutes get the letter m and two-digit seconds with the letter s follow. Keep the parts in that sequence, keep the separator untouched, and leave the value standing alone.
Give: 2h43
